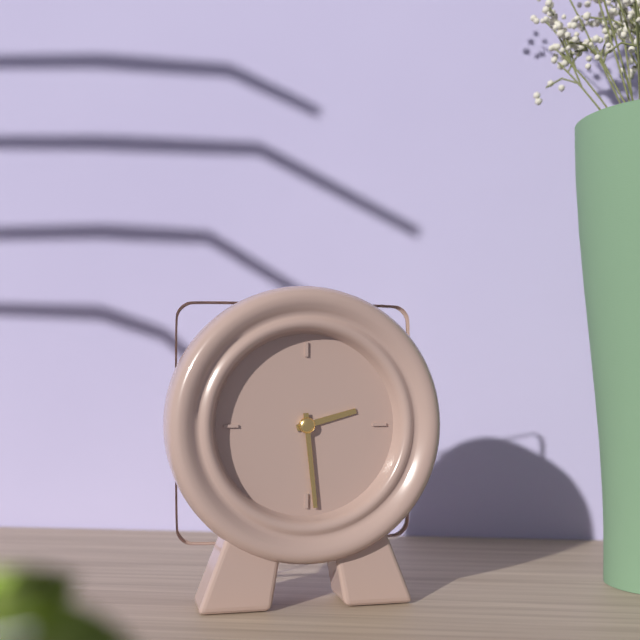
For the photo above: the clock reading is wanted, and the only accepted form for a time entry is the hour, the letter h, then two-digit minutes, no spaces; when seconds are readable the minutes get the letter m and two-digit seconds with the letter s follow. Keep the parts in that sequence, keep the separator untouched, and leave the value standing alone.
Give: 2h29
